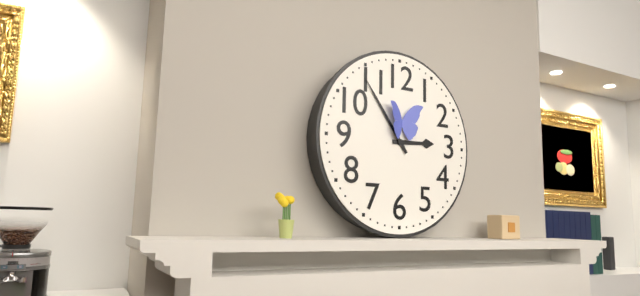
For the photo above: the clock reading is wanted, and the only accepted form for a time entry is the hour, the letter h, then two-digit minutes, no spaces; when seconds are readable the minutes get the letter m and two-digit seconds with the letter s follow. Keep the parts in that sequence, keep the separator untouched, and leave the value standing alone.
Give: 2h54
